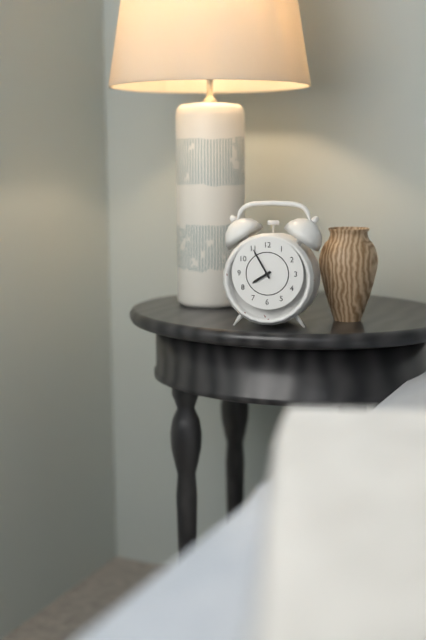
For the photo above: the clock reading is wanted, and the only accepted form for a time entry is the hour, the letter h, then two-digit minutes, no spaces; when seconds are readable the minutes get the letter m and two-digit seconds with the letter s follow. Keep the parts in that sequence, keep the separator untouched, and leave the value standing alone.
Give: 7h55
